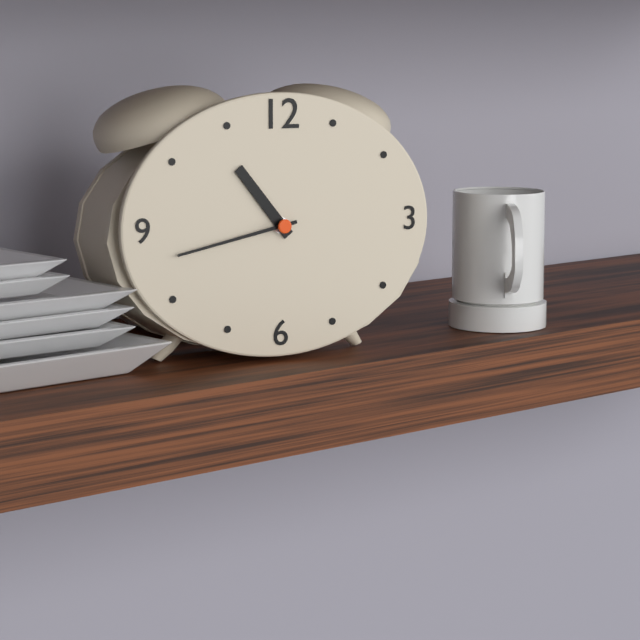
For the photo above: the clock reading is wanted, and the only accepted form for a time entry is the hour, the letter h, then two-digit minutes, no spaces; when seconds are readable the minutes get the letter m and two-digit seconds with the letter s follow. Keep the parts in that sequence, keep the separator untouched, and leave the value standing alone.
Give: 10h43
